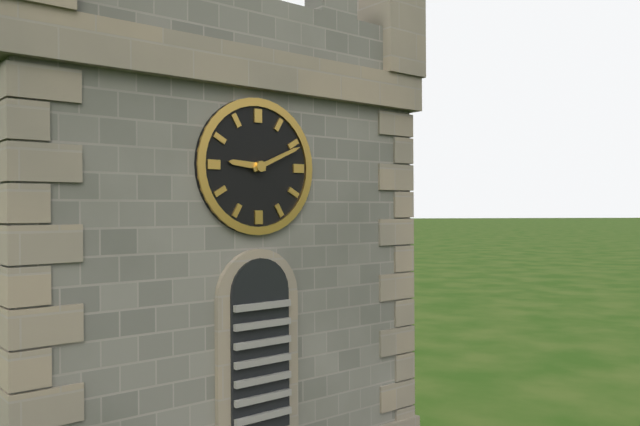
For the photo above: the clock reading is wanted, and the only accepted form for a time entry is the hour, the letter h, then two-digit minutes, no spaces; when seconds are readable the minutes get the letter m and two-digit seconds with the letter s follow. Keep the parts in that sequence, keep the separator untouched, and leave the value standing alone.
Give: 9h11
